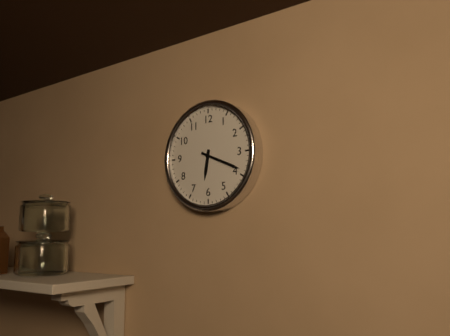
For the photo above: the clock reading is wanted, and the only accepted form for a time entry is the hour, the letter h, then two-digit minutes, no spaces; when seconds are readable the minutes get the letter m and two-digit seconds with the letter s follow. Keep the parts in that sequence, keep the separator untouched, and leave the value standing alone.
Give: 6h19
